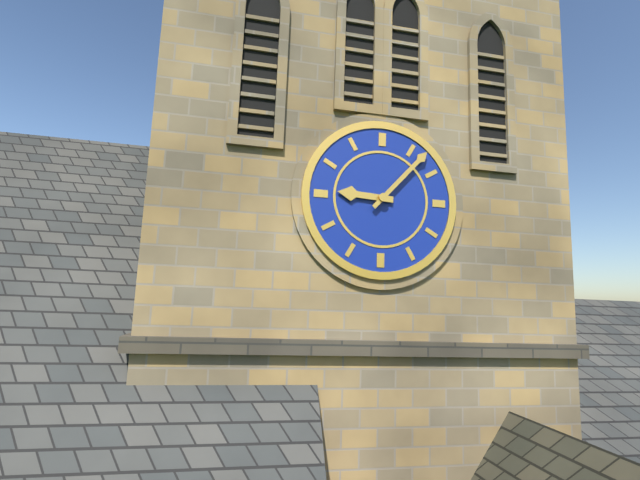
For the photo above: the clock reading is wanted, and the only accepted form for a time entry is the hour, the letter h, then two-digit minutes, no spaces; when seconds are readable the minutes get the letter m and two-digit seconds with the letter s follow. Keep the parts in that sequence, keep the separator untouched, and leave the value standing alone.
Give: 9h07
